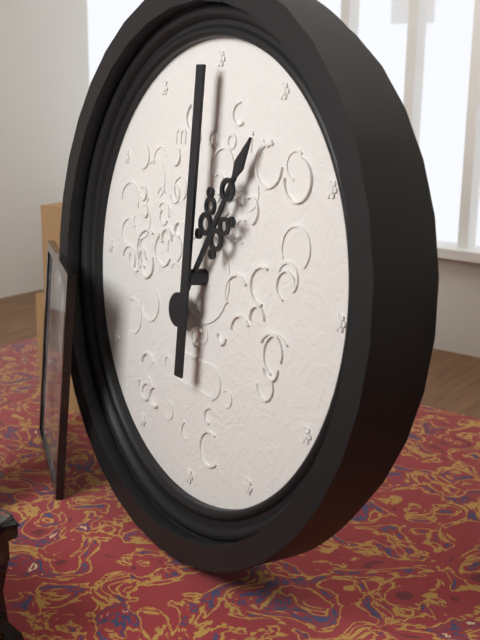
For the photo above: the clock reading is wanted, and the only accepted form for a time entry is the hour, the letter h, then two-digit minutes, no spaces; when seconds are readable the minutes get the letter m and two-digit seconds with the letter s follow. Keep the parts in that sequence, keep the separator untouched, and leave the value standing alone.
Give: 1h00
